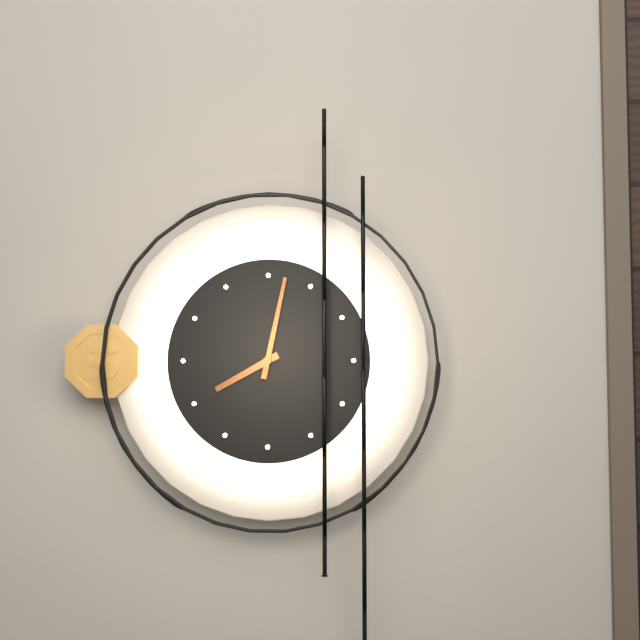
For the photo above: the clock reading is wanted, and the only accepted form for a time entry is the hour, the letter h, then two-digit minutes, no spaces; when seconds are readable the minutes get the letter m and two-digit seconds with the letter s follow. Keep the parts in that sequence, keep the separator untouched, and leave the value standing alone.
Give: 8h02
